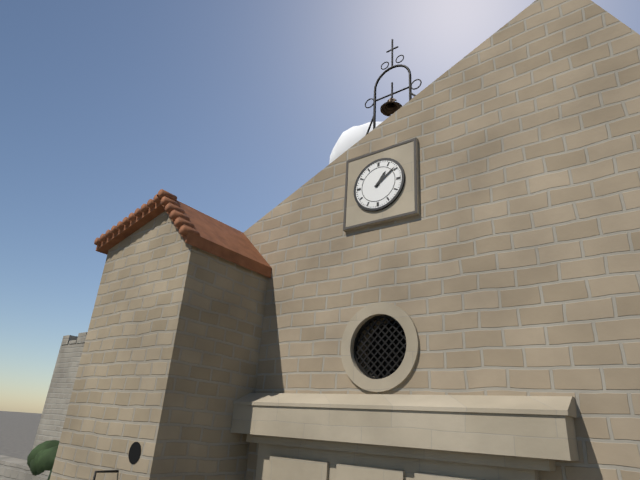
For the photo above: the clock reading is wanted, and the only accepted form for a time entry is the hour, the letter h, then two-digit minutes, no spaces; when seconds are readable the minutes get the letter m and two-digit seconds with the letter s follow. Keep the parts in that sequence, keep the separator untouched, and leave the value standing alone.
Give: 1h09
